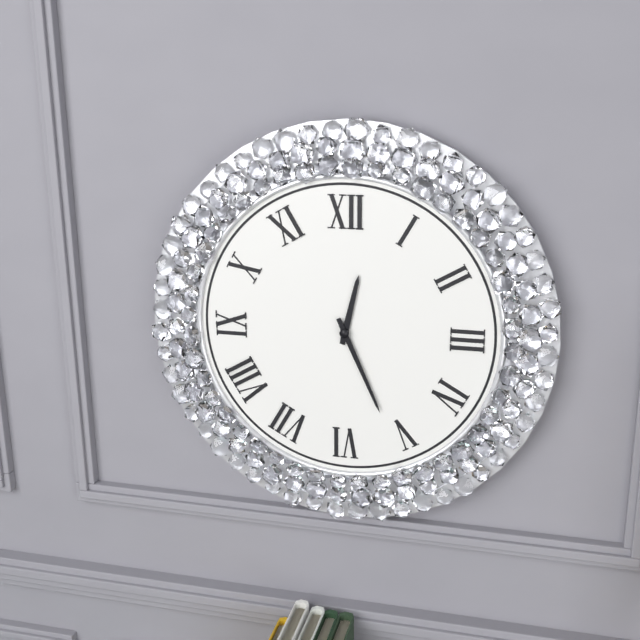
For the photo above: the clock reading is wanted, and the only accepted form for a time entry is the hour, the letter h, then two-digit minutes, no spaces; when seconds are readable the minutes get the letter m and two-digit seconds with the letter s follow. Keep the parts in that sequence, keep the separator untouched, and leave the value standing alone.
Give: 12h26
